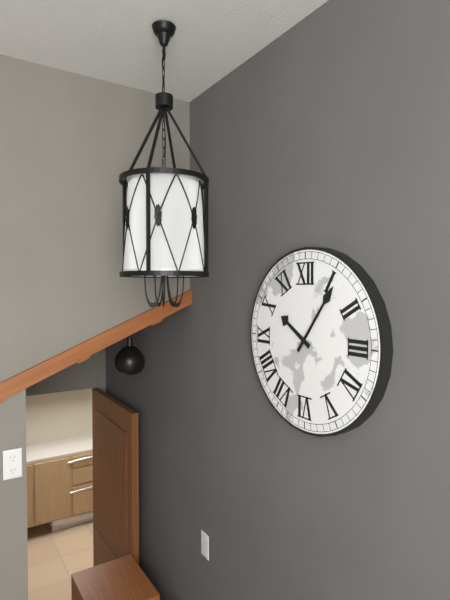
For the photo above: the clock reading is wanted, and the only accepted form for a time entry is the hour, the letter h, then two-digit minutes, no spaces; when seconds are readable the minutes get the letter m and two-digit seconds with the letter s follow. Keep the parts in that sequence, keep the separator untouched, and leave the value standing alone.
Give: 10h06
